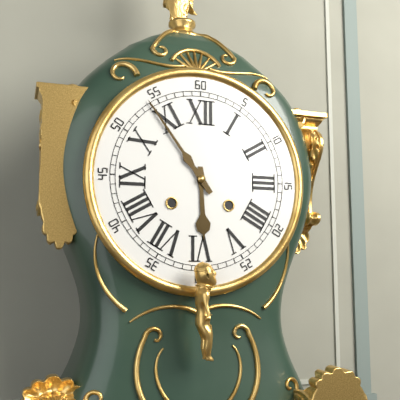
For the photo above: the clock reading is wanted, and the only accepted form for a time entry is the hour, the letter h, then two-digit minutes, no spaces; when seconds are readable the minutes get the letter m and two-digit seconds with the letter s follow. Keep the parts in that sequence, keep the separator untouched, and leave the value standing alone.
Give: 5h54
